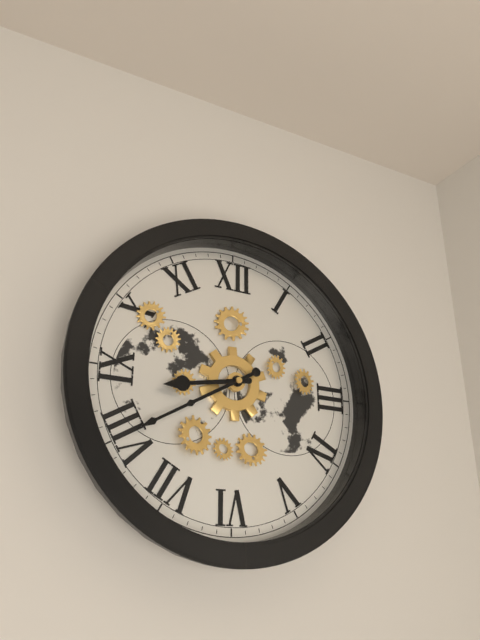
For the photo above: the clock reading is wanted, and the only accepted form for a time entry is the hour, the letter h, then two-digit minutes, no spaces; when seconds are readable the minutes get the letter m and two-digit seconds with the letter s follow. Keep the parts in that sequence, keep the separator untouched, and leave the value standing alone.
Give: 8h40
